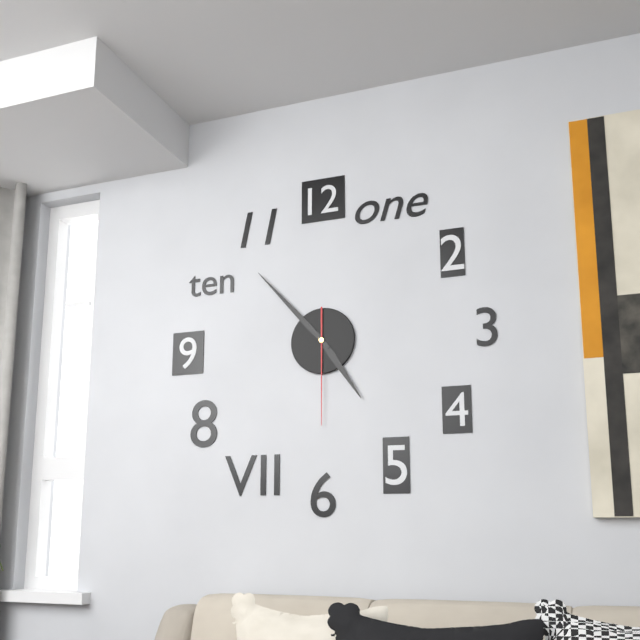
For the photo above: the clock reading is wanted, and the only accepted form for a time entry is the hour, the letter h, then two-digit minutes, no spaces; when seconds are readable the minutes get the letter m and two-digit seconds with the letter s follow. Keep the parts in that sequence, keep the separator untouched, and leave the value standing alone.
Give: 4h53m30s
